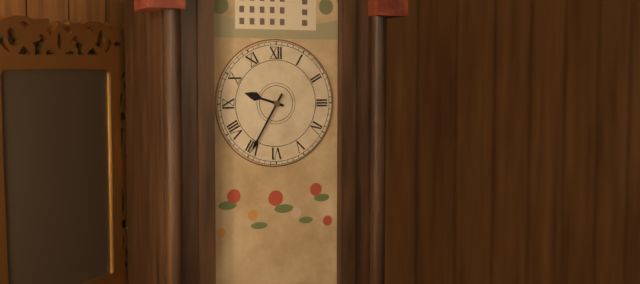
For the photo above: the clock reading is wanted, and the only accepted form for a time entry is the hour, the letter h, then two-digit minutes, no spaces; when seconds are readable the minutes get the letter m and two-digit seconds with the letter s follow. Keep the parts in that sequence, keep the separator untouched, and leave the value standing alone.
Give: 9h35
